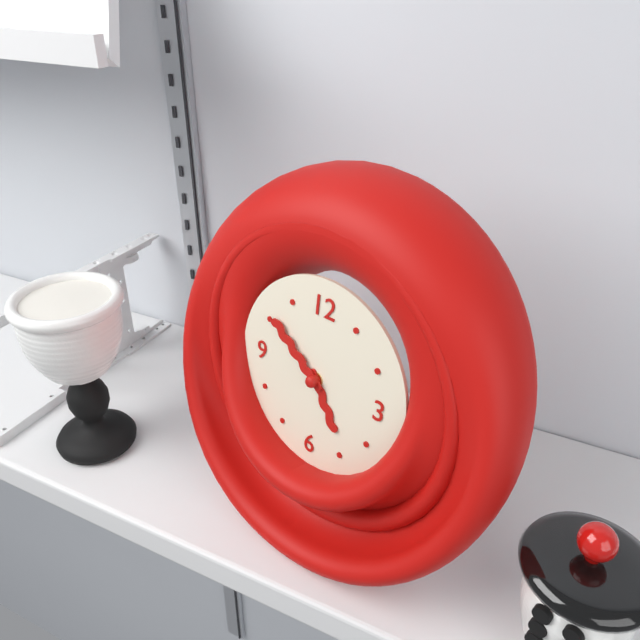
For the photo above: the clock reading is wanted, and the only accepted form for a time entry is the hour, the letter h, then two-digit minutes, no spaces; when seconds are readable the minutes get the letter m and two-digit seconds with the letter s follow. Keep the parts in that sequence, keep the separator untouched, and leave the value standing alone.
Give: 4h51
